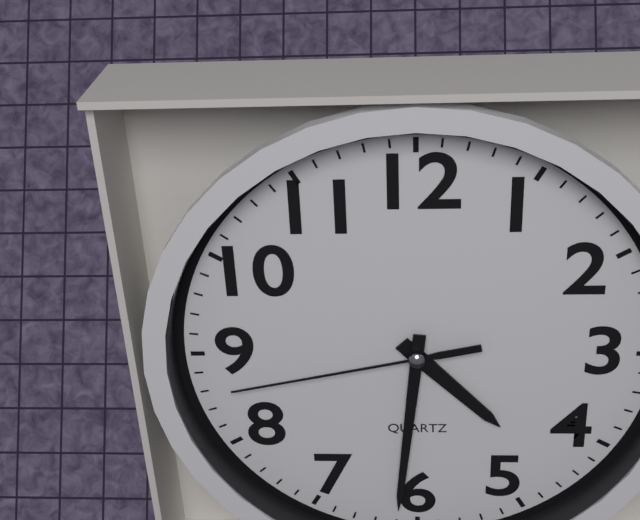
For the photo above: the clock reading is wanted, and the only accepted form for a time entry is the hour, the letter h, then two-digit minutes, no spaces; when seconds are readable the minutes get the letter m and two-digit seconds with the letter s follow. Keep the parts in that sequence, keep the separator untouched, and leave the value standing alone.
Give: 4h31m43s
